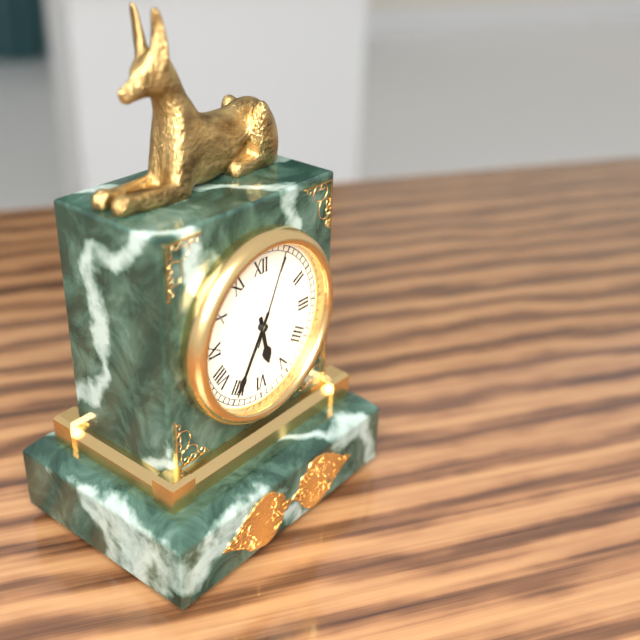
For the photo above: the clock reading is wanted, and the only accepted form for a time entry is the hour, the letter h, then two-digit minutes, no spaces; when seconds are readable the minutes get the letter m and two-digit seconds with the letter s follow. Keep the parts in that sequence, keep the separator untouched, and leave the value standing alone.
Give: 5h35m04s
